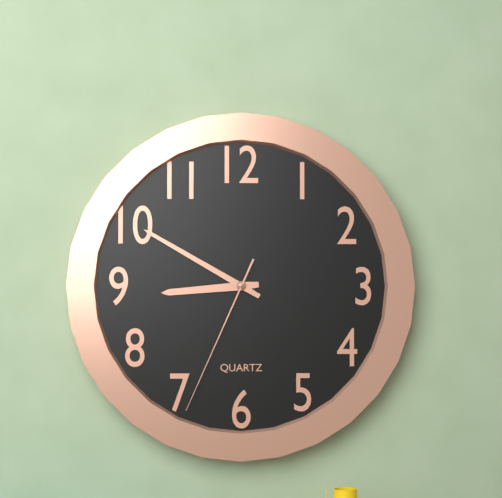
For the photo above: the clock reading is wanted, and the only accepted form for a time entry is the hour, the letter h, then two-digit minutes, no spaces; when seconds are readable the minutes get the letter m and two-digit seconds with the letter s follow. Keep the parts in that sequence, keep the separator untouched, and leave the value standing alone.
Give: 8h50m34s
